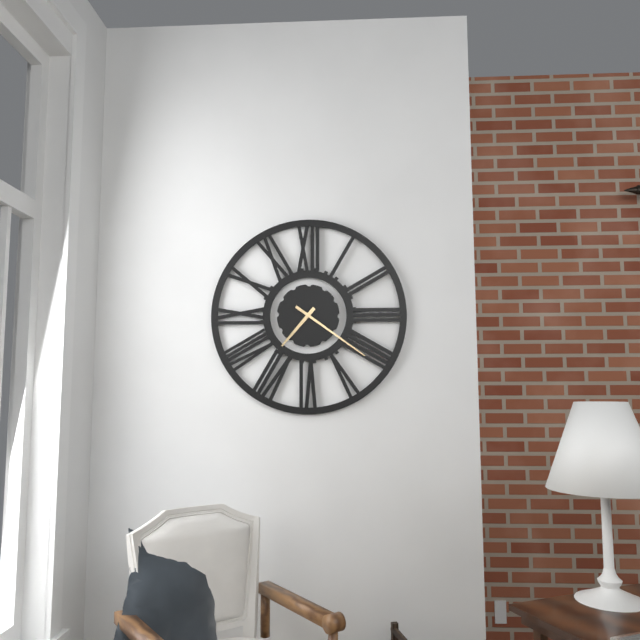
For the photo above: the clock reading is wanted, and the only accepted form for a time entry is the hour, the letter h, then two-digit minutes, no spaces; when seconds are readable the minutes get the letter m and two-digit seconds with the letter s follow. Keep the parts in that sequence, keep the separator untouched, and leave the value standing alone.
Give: 7h21
